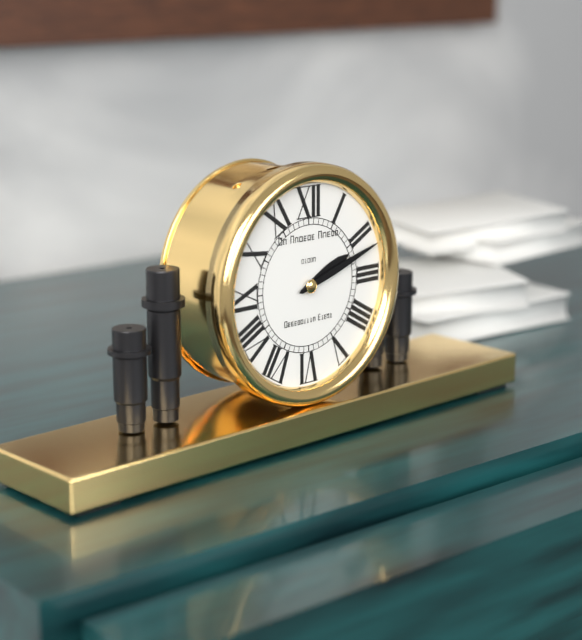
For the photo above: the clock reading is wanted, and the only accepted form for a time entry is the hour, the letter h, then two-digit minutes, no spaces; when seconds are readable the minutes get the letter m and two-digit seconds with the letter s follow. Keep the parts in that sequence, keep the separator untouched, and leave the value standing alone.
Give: 2h12
